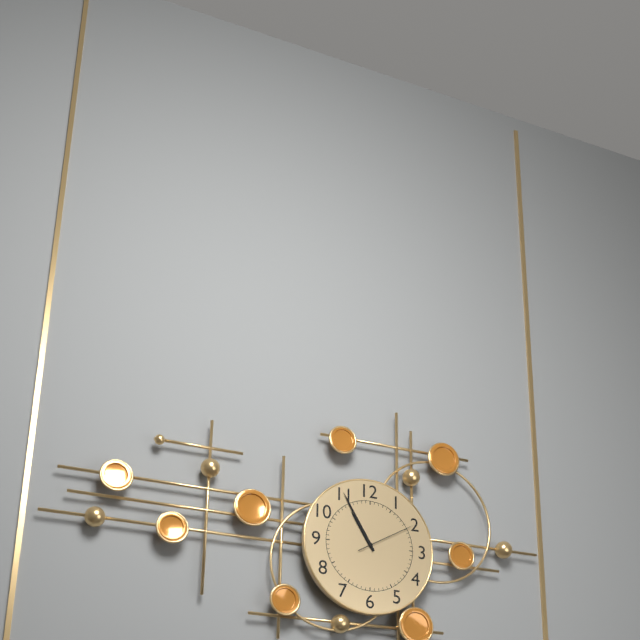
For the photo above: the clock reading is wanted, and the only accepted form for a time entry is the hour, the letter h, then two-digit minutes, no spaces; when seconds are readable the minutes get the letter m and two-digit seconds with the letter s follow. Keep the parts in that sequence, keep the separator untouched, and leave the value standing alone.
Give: 10h55m10s
